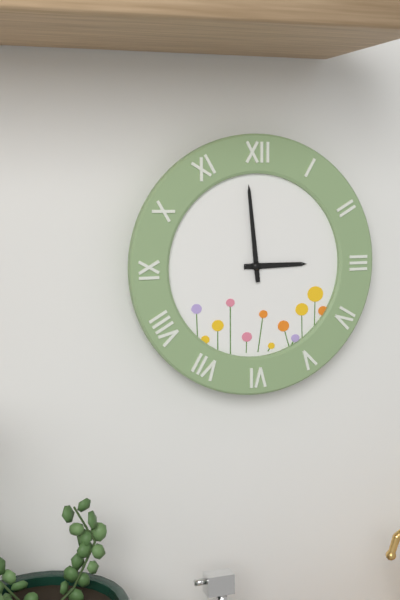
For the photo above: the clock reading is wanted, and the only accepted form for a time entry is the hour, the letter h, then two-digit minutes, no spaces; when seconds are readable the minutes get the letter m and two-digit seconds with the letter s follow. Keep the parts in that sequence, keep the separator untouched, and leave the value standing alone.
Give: 2h59
